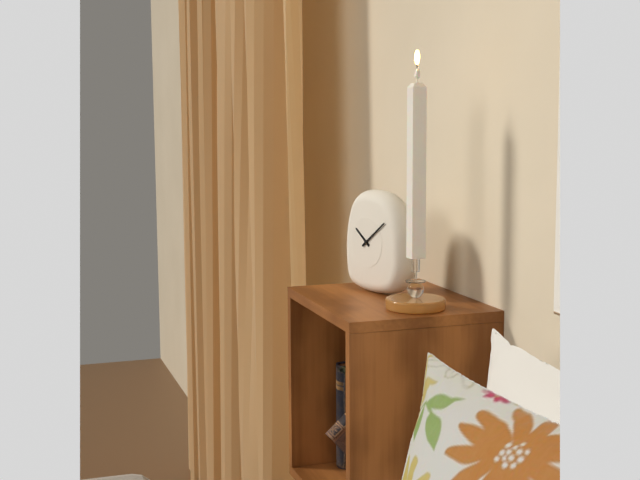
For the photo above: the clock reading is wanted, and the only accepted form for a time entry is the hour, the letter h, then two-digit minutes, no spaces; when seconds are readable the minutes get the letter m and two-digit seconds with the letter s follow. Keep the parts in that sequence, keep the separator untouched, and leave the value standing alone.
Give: 10h09
